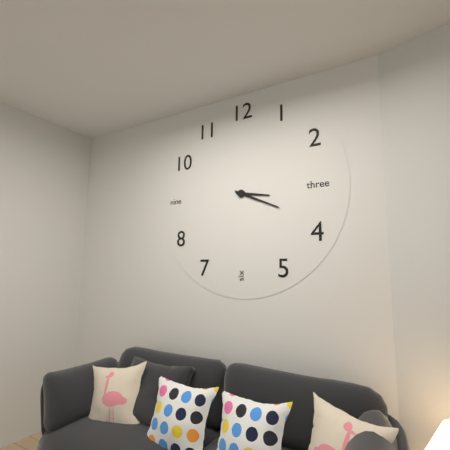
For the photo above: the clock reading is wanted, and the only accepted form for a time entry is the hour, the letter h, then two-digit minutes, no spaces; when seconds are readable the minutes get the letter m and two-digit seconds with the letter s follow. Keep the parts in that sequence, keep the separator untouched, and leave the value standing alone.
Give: 3h19
